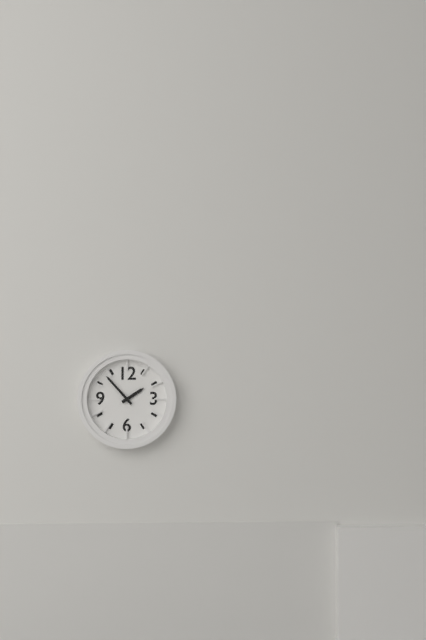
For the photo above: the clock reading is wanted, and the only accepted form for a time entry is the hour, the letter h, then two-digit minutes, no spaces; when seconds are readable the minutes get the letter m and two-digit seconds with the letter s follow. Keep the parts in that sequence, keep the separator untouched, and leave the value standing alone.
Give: 1h53
